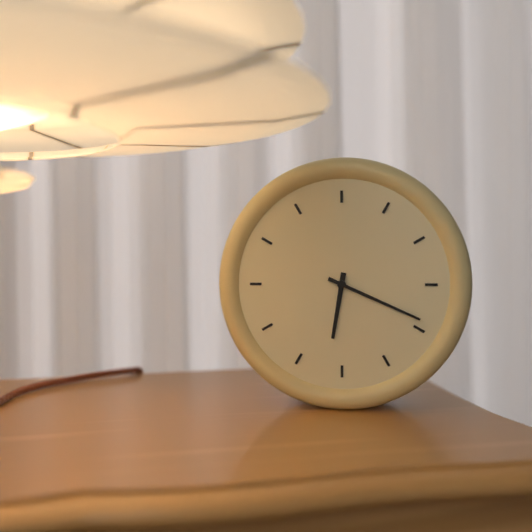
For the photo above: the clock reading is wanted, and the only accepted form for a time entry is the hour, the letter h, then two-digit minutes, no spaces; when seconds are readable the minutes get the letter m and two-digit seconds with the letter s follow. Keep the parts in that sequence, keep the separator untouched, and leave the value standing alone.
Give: 6h19
